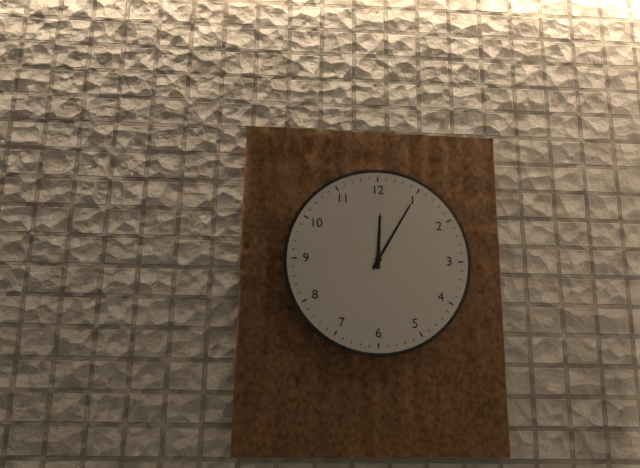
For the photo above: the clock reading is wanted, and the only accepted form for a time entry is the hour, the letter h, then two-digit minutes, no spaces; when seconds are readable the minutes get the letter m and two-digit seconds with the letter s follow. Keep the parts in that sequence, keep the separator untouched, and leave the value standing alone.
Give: 12h05
